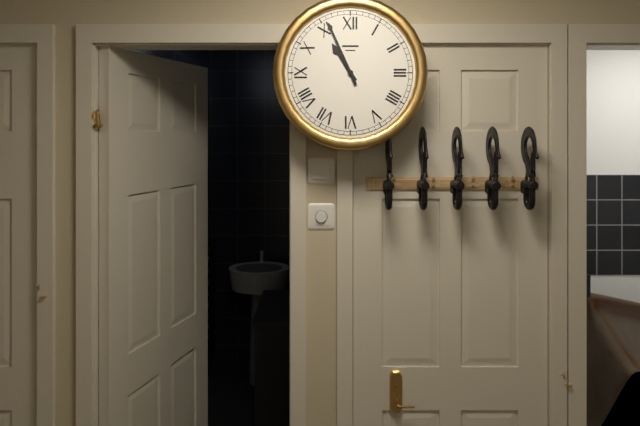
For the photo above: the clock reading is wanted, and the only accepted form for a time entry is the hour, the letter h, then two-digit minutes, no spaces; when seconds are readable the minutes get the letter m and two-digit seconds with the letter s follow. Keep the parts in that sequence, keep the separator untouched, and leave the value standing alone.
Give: 10h56
